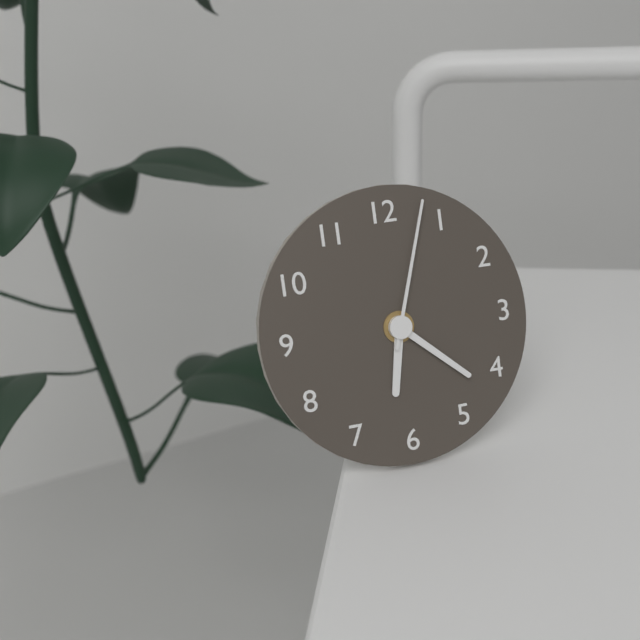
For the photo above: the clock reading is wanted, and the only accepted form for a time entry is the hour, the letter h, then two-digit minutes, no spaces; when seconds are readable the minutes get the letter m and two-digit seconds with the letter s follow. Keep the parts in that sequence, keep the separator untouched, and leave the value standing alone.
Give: 6h22m03s
